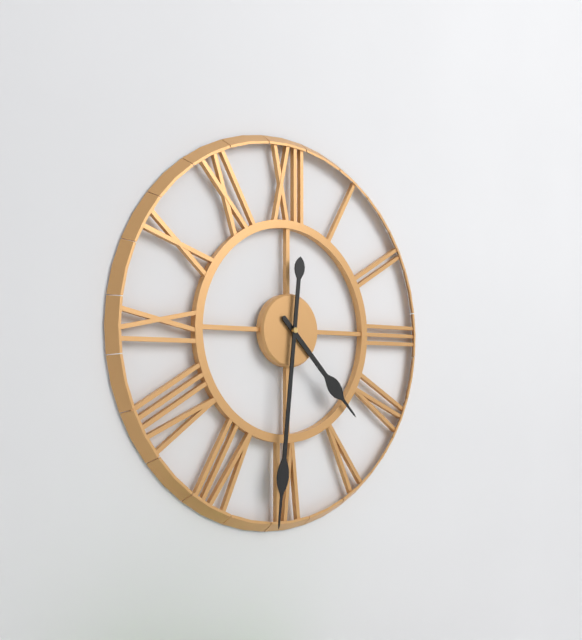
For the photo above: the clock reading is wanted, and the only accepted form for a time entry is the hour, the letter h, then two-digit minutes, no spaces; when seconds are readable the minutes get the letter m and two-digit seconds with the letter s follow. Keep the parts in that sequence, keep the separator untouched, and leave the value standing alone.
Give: 4h31
